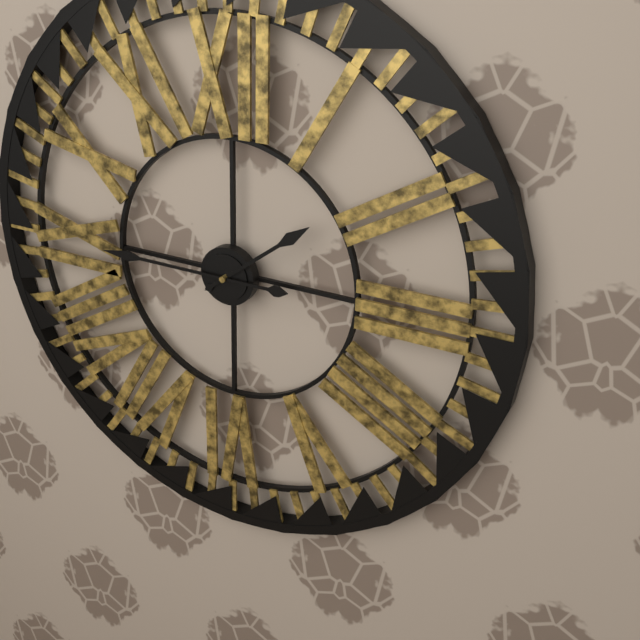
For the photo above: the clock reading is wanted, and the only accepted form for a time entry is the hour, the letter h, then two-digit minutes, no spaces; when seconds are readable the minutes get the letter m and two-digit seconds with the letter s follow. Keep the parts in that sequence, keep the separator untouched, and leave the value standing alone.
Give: 1h45
